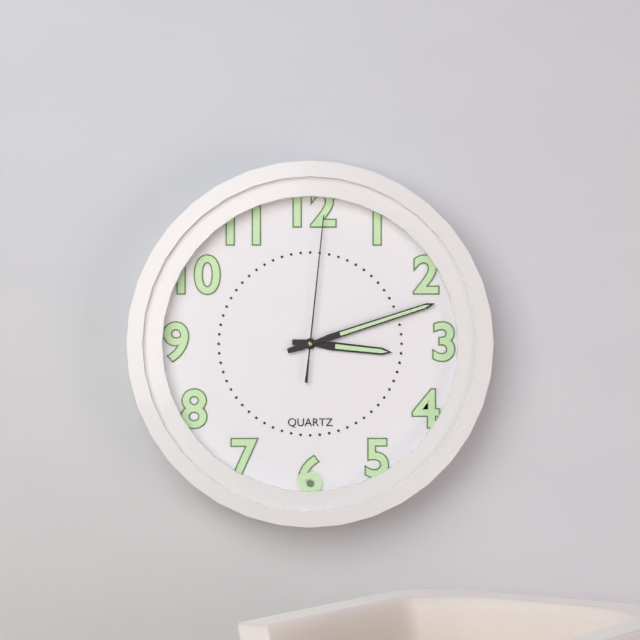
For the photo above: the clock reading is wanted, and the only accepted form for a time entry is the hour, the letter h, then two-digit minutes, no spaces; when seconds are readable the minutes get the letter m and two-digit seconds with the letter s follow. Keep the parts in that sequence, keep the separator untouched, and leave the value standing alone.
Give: 3h12m01s
